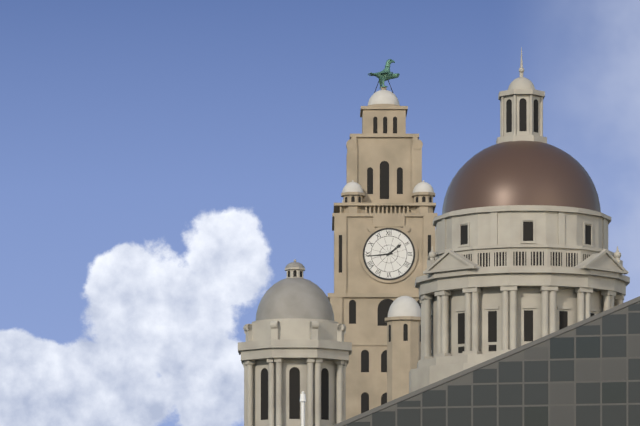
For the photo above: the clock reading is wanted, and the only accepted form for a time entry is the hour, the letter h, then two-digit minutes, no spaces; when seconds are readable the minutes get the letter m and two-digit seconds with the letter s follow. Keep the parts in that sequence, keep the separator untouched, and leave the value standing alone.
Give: 1h44
